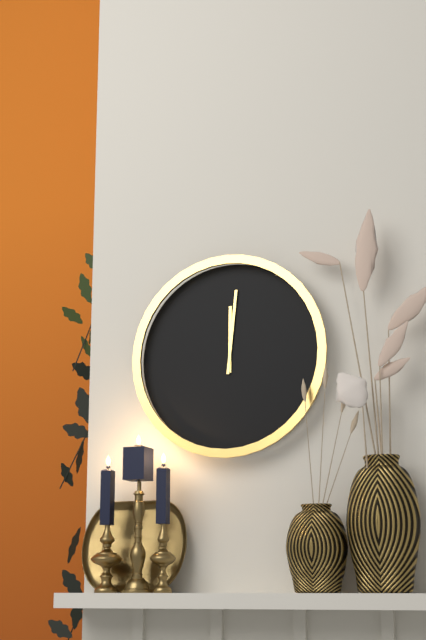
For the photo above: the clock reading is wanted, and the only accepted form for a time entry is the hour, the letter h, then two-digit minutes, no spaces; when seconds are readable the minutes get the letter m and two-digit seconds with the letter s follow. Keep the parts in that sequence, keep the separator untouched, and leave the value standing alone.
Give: 12h01
